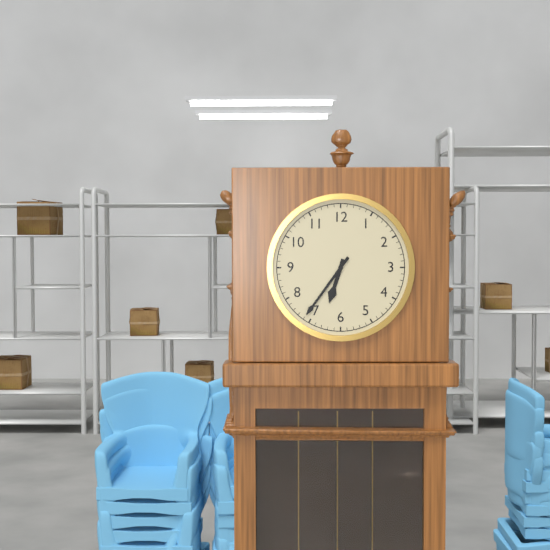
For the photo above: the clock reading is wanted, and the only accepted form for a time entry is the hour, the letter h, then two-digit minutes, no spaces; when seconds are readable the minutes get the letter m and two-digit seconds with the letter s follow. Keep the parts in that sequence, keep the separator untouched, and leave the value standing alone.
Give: 6h36
